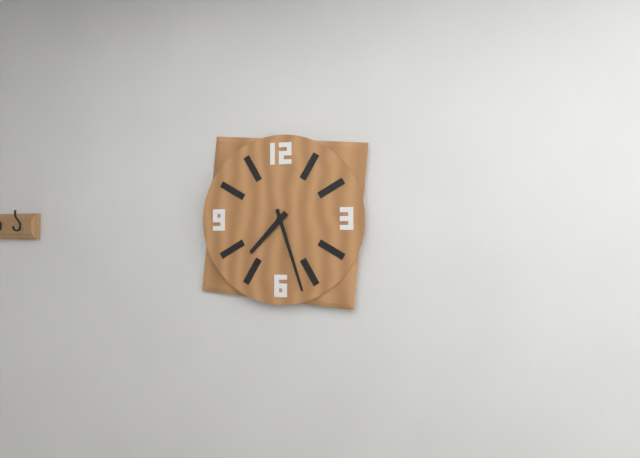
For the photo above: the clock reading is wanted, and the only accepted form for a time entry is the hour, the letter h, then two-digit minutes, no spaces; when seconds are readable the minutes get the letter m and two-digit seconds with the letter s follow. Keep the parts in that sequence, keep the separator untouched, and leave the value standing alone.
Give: 7h27
